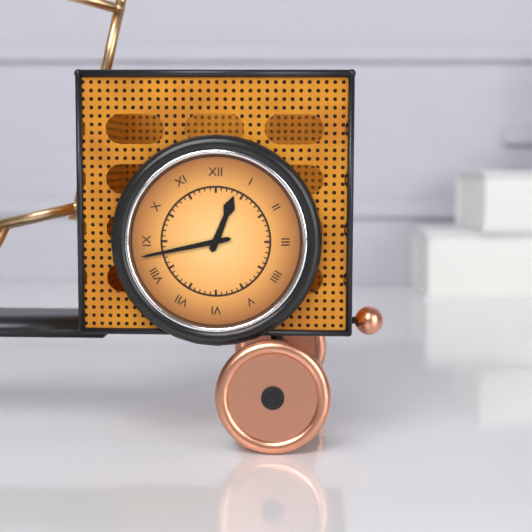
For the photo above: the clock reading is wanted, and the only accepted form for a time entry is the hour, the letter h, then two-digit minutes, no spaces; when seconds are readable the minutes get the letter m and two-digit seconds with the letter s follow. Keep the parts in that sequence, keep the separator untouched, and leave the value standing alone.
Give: 12h43
